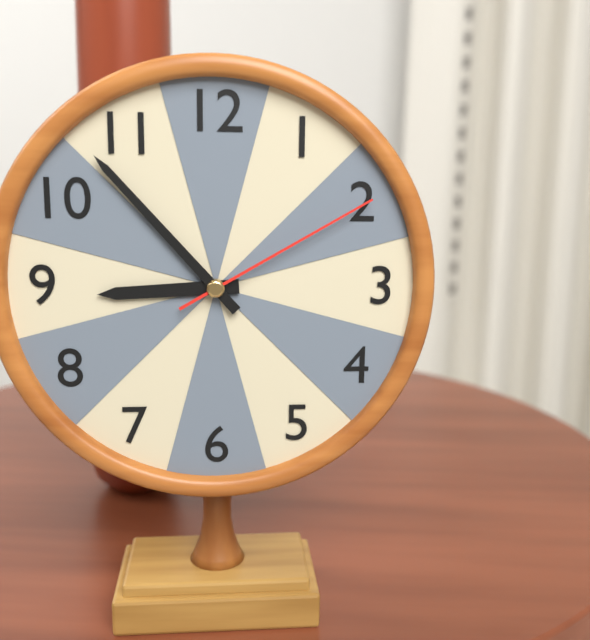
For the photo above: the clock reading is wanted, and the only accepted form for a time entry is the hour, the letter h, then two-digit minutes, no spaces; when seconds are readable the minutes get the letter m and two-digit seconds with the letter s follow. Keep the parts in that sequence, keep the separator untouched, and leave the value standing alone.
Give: 8h53m10s
